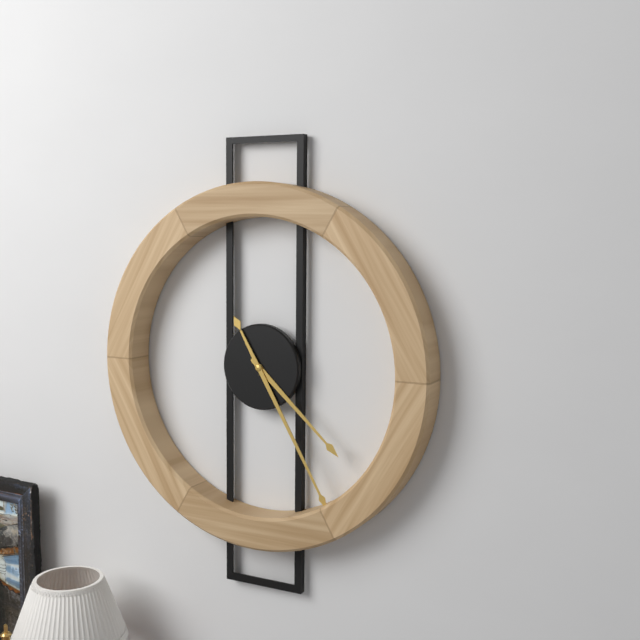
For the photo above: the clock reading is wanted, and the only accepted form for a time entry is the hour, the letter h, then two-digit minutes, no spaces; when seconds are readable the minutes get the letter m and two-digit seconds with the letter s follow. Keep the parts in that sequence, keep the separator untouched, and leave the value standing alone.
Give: 4h25
